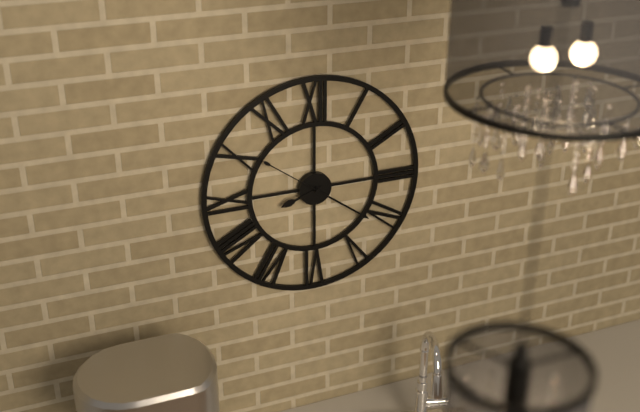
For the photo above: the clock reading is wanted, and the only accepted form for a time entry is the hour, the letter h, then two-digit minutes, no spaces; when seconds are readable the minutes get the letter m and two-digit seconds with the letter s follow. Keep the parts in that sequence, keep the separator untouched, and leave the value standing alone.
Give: 8h21m51s
